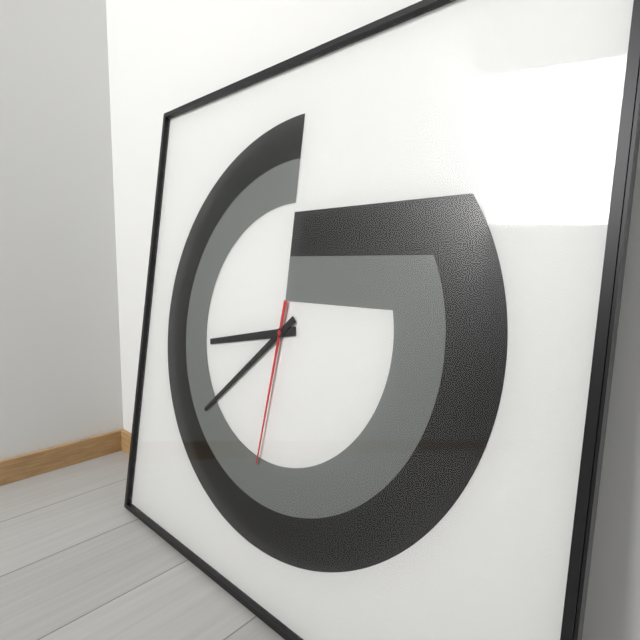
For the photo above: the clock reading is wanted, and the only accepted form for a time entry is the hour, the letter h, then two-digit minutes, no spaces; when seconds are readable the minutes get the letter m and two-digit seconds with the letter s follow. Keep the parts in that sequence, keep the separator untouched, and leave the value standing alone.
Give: 8h38m31s
